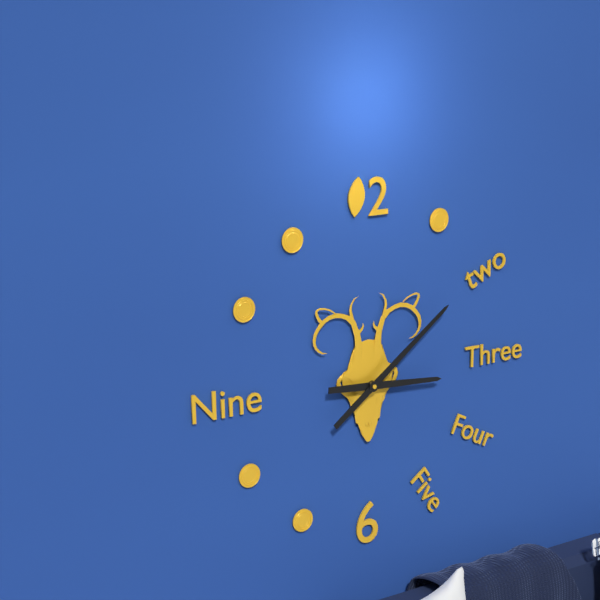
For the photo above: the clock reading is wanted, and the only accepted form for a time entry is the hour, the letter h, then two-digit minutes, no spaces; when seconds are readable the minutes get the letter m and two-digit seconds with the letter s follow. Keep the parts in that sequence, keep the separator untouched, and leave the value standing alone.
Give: 3h09
